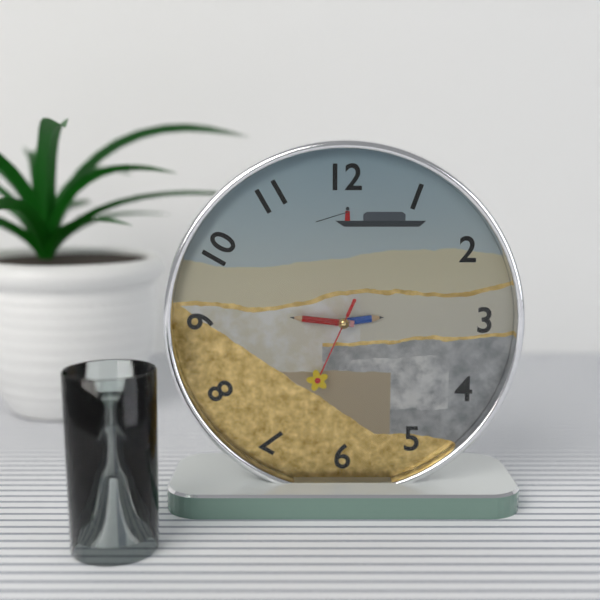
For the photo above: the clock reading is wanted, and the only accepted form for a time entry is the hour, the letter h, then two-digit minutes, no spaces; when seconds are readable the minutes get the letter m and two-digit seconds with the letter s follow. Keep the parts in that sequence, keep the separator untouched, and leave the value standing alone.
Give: 2h46m34s
